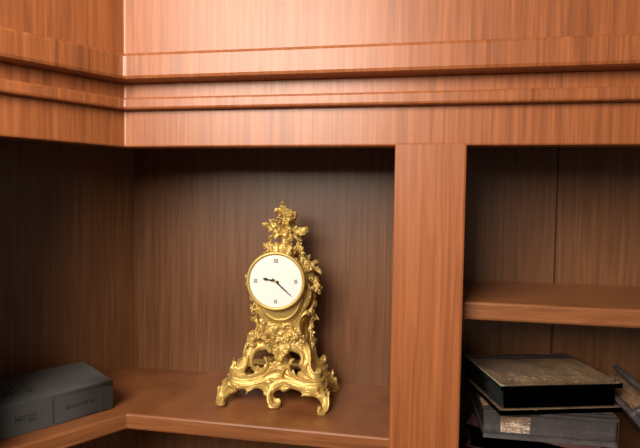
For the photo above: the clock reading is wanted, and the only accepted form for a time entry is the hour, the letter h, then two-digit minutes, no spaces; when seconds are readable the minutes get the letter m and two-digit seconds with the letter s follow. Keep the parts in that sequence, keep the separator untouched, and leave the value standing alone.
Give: 9h22
